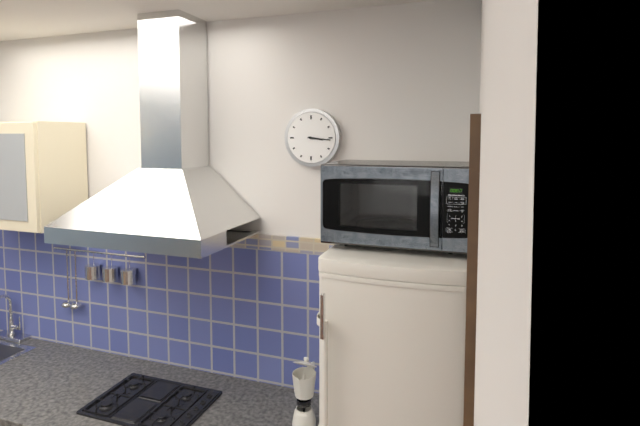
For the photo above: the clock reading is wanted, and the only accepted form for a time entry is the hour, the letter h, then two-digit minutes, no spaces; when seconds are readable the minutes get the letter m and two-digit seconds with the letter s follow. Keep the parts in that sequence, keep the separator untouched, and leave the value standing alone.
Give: 3h16
